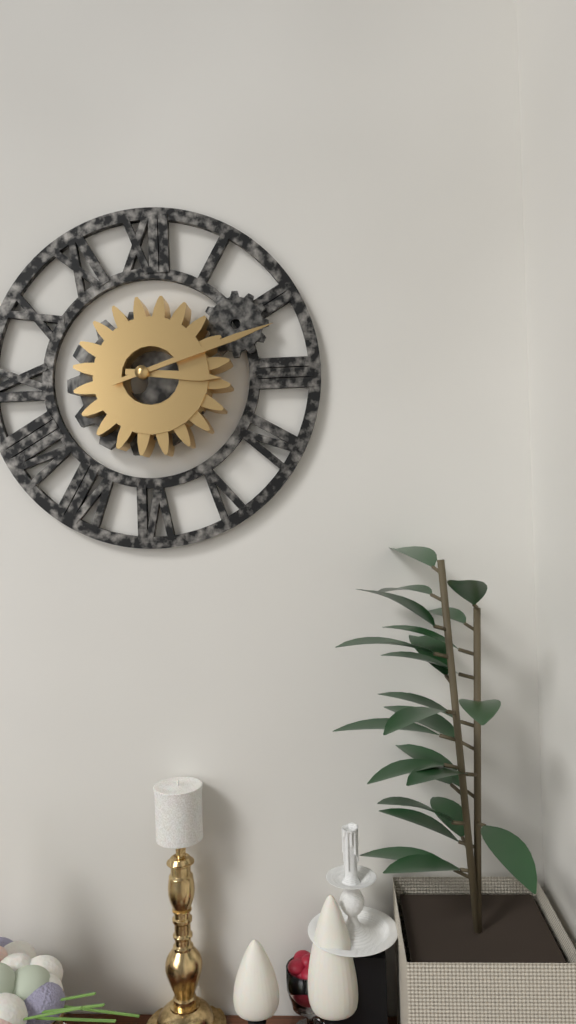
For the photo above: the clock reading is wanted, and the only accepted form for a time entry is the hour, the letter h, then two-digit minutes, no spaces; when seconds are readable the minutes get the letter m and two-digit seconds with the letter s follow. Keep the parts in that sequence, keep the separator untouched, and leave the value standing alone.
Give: 3h12
